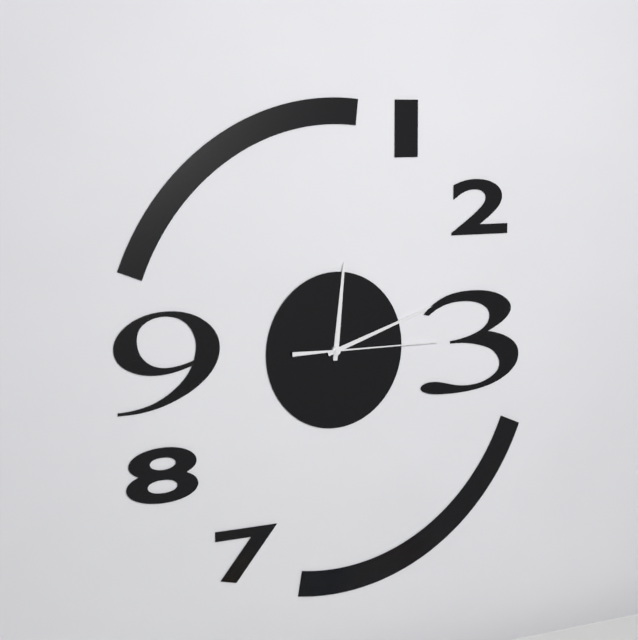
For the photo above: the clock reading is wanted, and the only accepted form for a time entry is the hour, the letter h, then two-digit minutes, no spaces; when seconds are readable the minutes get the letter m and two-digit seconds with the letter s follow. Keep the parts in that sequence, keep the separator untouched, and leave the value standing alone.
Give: 12h12m15s
